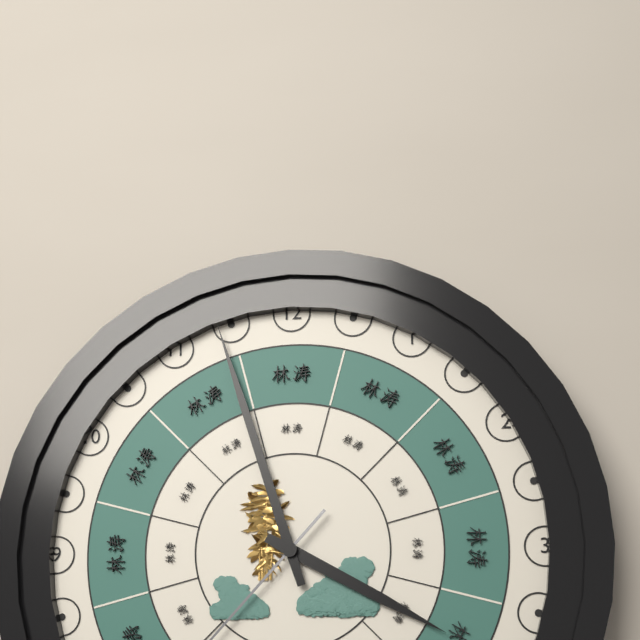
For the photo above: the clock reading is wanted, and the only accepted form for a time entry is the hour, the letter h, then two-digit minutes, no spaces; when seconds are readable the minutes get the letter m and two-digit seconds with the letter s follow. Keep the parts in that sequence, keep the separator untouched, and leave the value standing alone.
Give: 3h57
